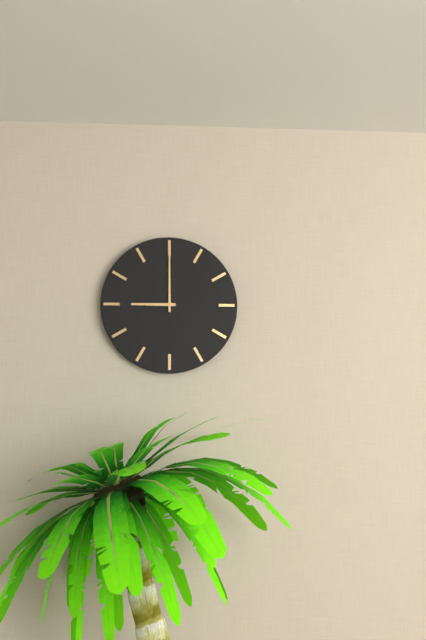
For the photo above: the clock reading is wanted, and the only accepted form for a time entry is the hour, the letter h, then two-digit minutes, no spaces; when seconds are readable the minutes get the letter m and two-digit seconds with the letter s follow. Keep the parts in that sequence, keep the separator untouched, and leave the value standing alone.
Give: 9h00
